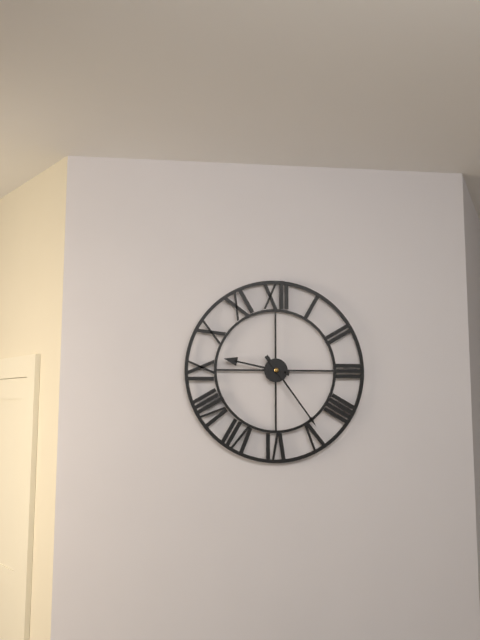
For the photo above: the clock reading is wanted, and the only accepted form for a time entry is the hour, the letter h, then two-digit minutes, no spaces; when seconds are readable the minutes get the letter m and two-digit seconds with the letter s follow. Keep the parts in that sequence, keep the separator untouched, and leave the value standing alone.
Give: 9h24
